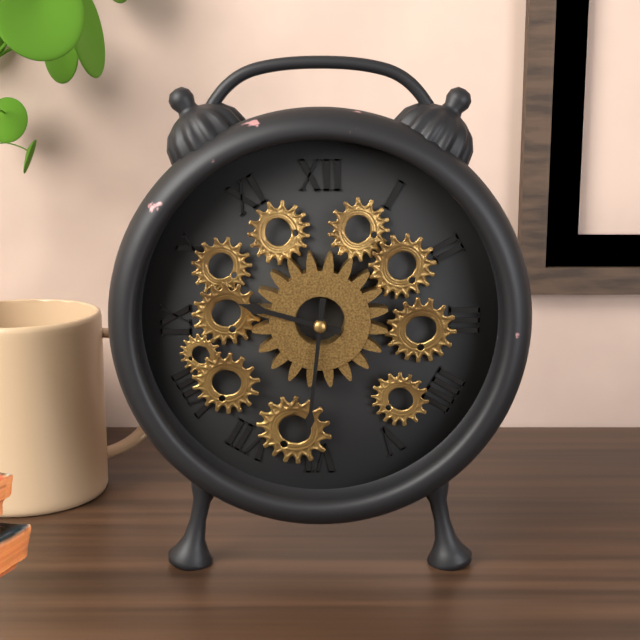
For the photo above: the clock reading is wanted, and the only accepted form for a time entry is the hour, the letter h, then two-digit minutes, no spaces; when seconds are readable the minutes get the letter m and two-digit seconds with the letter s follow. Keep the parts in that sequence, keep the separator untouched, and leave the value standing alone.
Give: 9h31
